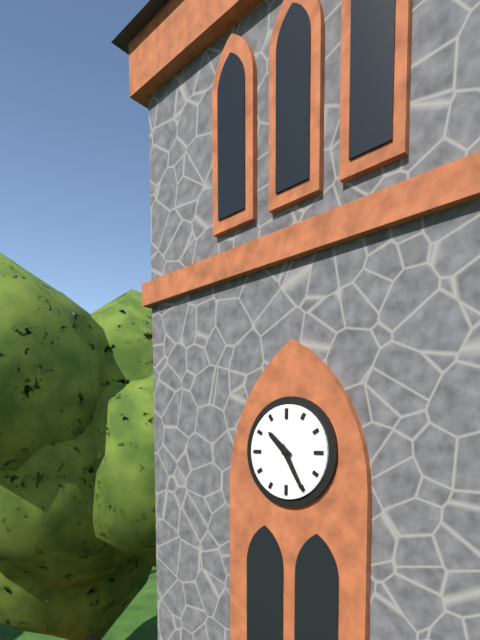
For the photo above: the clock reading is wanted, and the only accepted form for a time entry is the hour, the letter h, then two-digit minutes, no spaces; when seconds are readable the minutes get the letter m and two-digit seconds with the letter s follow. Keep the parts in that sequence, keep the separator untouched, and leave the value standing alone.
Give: 10h25
